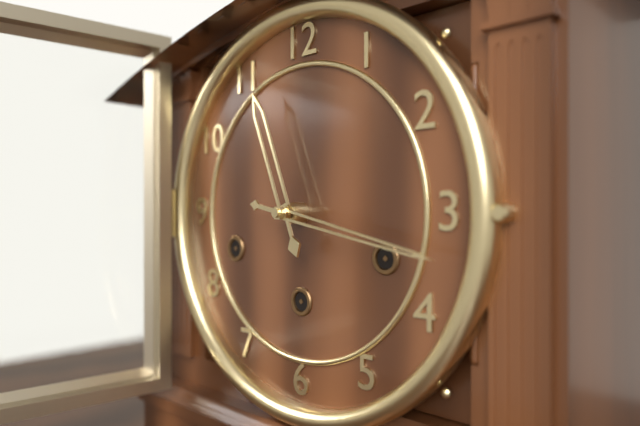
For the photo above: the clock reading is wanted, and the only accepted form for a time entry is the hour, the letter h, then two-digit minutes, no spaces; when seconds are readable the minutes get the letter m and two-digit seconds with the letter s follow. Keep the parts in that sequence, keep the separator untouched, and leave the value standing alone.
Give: 11h17
